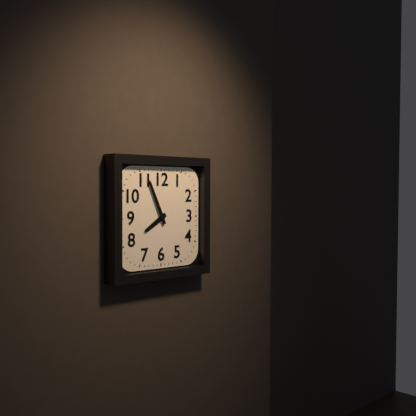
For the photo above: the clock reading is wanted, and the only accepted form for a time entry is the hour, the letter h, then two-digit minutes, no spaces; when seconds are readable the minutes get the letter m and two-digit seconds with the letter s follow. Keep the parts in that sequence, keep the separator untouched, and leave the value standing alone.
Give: 7h56
